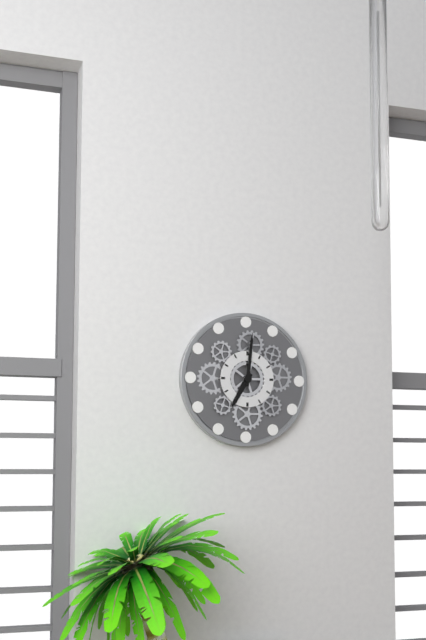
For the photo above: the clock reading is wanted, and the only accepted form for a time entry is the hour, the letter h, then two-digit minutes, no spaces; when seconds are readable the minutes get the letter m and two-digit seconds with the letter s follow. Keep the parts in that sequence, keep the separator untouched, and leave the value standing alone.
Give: 7h01
